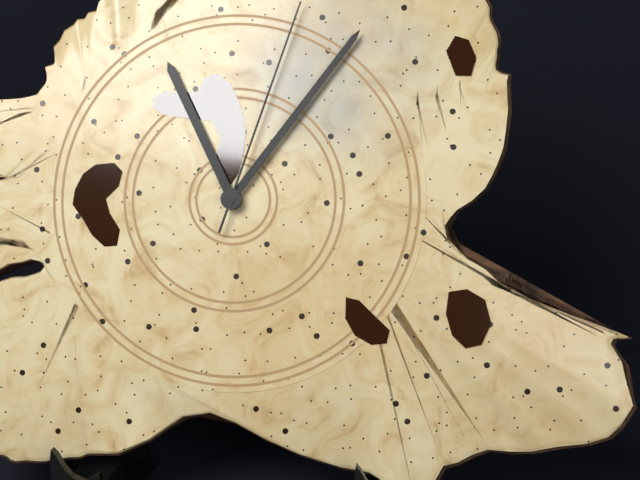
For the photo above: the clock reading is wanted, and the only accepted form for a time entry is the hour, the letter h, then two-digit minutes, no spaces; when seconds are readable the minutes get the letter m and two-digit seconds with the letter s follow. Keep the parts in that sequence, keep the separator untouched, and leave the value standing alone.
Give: 11h06m03s
